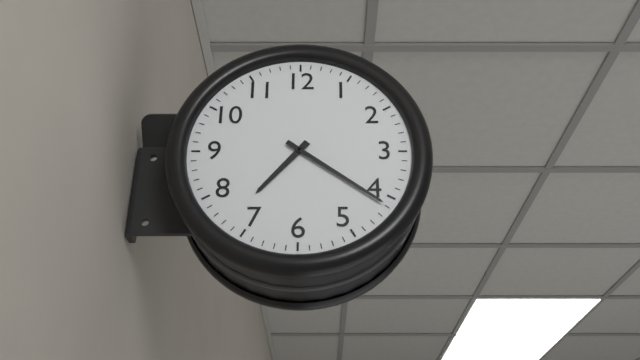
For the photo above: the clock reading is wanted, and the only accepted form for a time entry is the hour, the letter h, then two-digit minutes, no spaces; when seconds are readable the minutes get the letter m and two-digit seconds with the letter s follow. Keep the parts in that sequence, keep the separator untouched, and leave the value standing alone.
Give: 7h21
